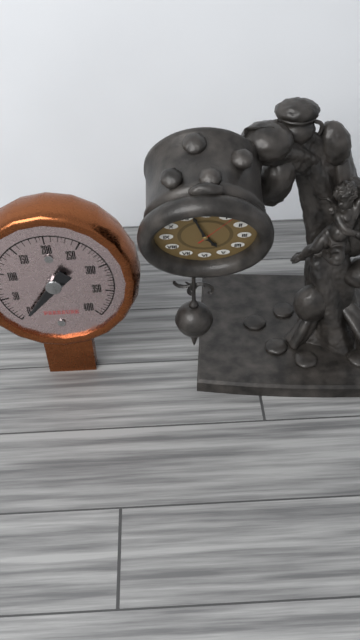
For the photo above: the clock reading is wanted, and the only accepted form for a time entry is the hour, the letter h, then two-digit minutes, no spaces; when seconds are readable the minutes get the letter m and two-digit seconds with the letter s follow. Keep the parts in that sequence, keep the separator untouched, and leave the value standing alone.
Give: 4h57
